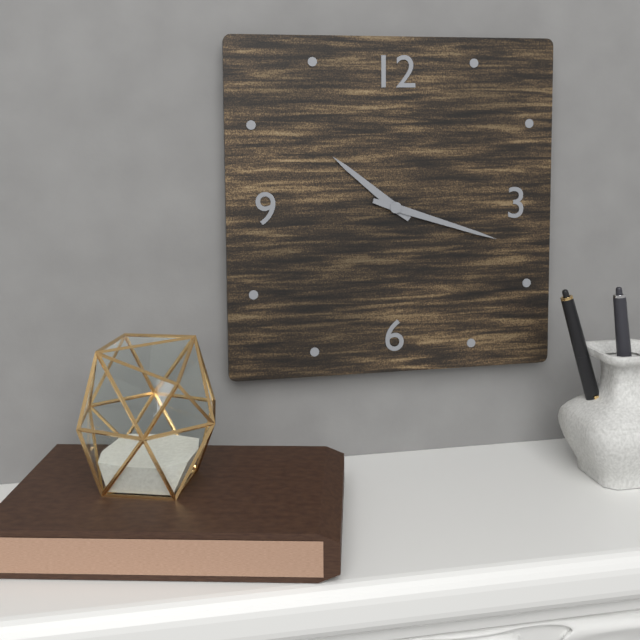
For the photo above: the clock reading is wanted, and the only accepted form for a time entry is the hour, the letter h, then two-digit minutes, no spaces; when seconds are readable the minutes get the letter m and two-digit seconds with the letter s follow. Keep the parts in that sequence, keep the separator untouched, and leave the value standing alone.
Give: 10h18
